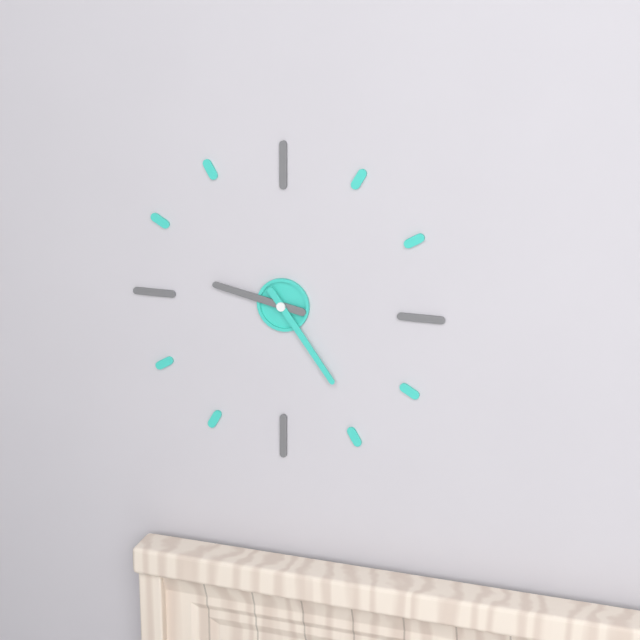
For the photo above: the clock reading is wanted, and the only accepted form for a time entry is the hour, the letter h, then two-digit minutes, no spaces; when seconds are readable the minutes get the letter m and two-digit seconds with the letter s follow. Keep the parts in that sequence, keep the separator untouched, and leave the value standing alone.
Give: 9h24
